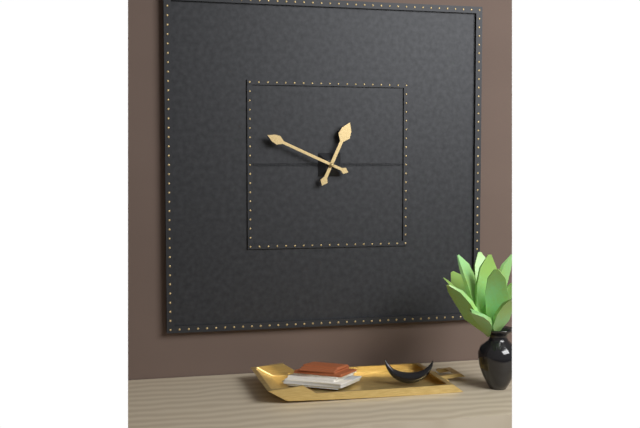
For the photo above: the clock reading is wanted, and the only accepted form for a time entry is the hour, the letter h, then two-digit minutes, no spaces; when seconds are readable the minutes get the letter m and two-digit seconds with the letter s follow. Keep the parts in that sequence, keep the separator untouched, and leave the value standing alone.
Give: 12h49
